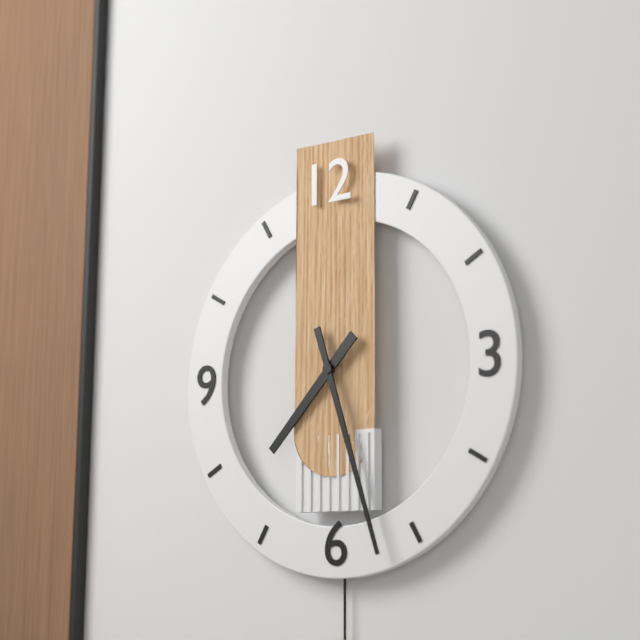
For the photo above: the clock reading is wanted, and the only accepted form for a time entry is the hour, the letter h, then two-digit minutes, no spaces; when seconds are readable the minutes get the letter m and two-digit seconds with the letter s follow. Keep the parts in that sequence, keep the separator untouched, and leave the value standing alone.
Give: 7h27
